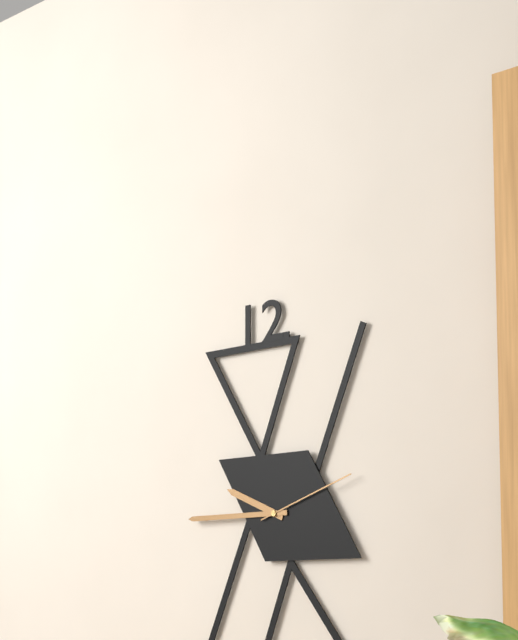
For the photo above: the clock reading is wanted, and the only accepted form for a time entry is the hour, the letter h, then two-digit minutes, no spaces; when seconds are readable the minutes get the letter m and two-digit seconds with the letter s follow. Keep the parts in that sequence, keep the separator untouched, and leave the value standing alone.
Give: 9h45m12s
